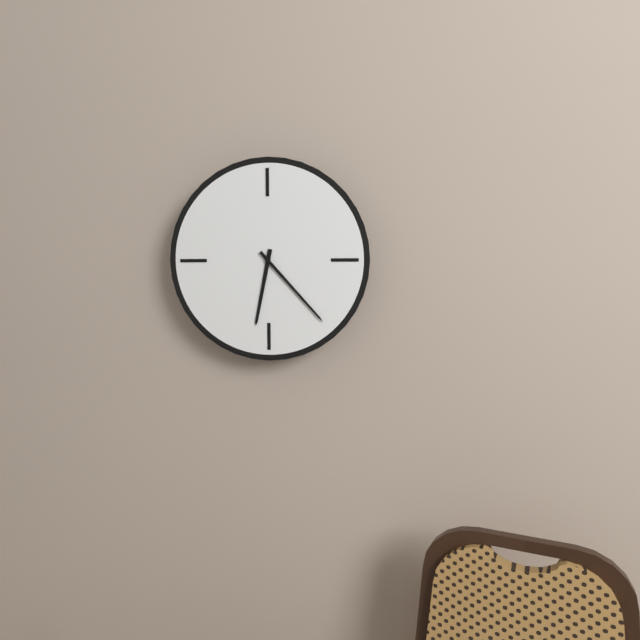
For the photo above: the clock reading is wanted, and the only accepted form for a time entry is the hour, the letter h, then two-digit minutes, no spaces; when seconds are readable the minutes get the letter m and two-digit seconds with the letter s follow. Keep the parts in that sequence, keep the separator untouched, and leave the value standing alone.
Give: 6h23
